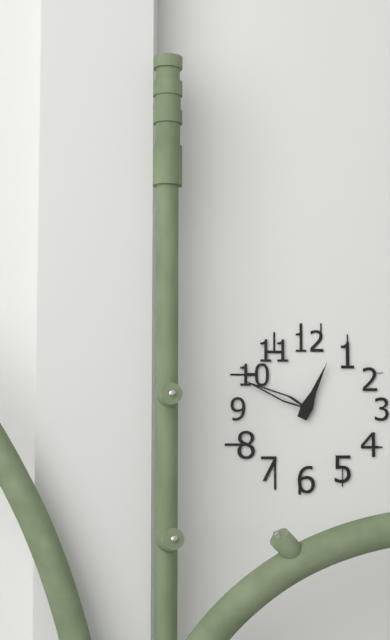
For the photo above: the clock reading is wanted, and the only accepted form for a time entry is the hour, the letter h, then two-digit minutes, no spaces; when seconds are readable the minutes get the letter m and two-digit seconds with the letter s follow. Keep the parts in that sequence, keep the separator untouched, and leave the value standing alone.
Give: 12h49
